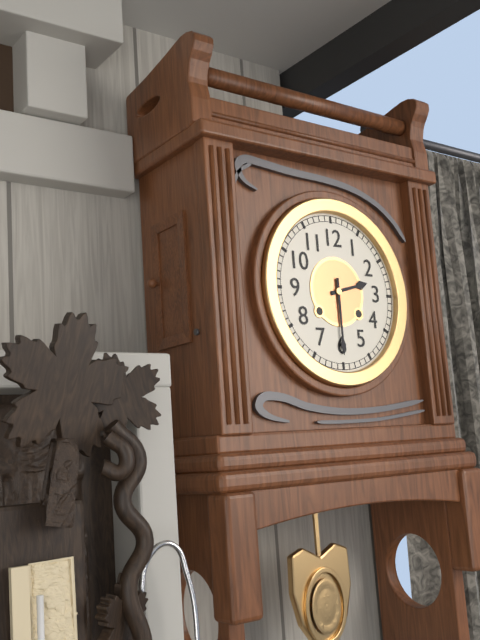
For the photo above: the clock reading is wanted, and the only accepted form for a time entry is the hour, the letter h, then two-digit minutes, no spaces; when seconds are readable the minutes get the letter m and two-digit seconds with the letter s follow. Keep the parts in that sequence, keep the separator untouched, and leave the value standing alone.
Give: 2h30
